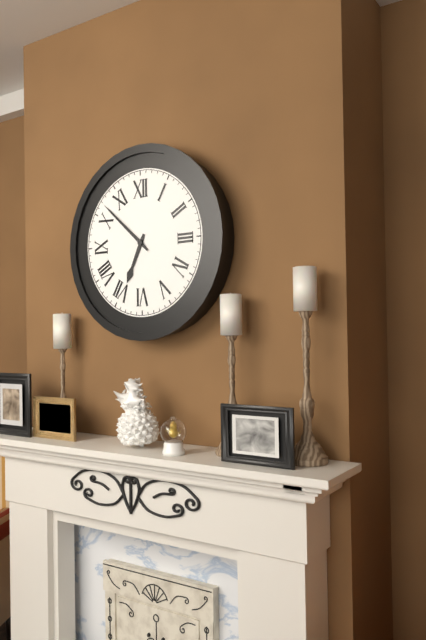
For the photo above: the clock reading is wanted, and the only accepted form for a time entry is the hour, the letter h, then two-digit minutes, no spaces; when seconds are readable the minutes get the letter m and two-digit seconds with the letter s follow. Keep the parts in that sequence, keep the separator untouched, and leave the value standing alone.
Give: 6h52
